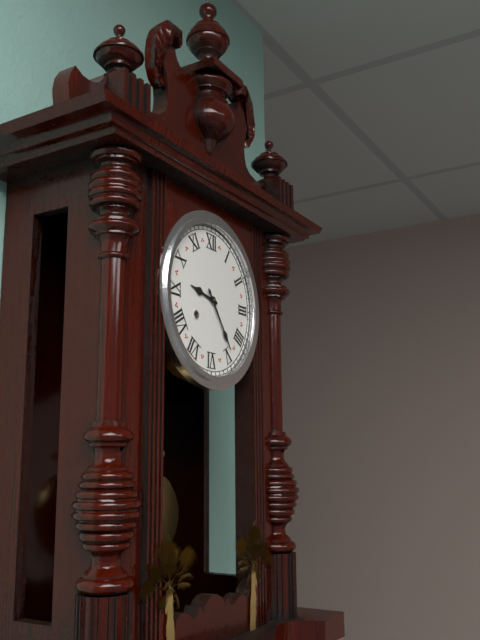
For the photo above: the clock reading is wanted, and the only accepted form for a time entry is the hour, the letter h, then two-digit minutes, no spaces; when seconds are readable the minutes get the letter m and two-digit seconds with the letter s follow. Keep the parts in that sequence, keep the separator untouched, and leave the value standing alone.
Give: 9h24
